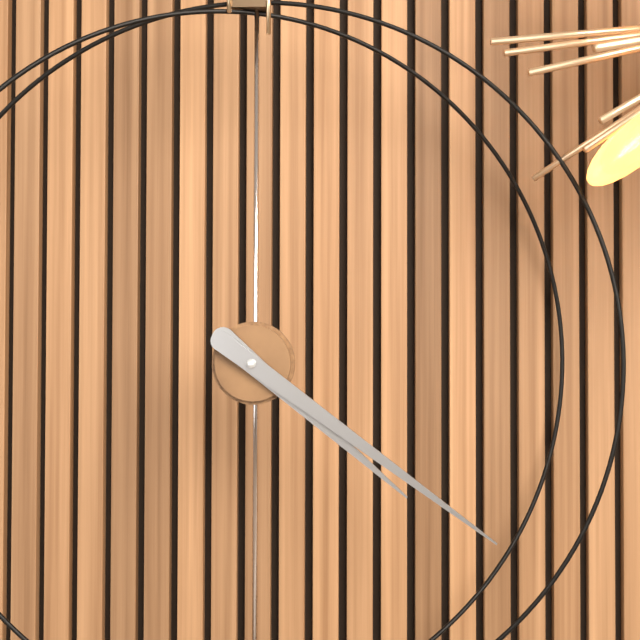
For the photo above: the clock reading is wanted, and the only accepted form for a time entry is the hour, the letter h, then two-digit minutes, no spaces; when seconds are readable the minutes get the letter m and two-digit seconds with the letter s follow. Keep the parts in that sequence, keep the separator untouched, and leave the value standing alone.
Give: 4h21
